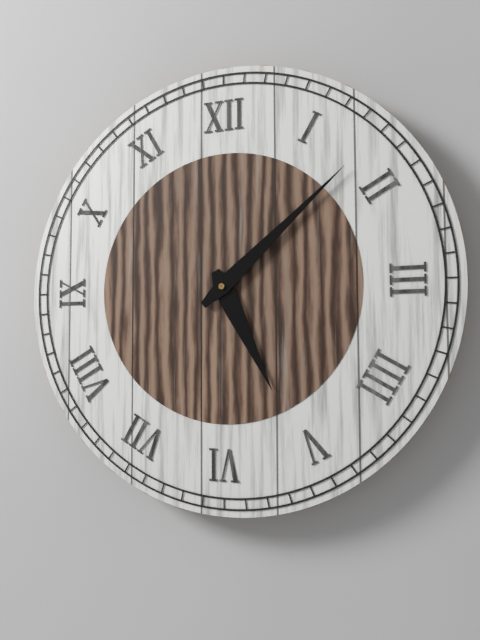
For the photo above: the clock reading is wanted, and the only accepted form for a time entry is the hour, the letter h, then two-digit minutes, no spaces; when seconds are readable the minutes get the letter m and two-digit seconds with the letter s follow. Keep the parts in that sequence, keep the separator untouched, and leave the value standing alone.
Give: 5h08
